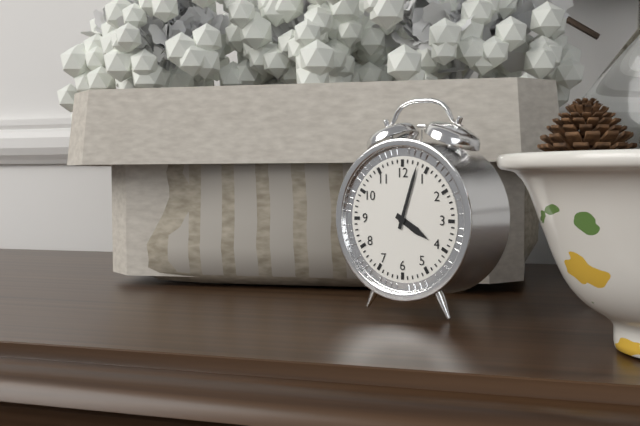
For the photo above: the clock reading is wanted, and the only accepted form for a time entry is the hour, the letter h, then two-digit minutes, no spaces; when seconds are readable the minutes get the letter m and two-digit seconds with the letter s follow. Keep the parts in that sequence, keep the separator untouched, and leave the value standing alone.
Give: 4h03
